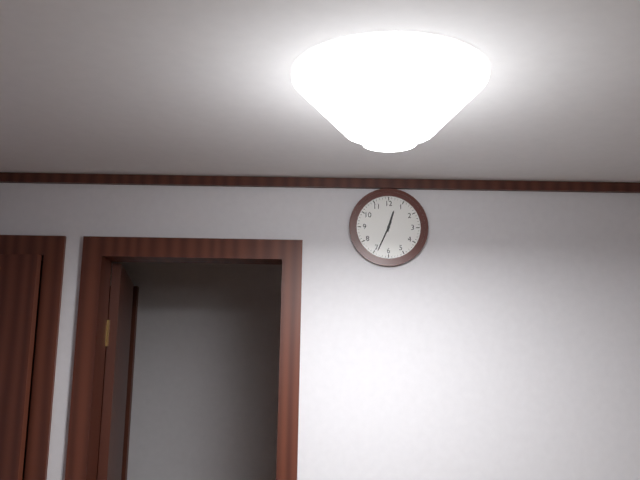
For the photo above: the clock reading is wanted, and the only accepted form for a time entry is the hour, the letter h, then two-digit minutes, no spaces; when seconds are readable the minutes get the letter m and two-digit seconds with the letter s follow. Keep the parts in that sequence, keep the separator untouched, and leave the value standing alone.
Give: 12h34
